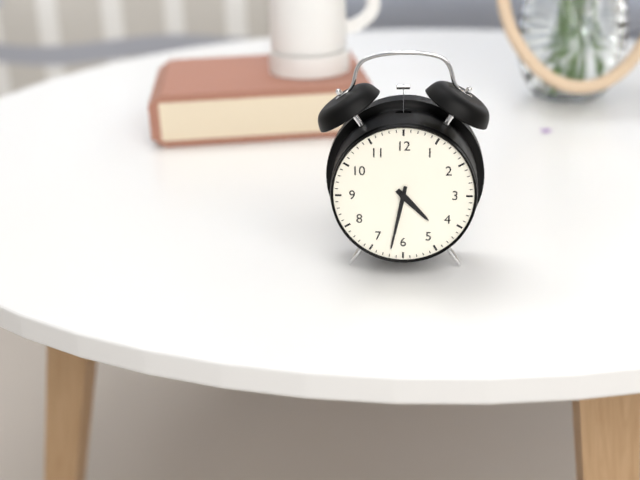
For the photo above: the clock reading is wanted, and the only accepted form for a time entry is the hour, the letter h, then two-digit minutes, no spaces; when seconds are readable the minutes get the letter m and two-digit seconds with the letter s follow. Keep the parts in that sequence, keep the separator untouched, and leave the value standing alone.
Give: 4h32
